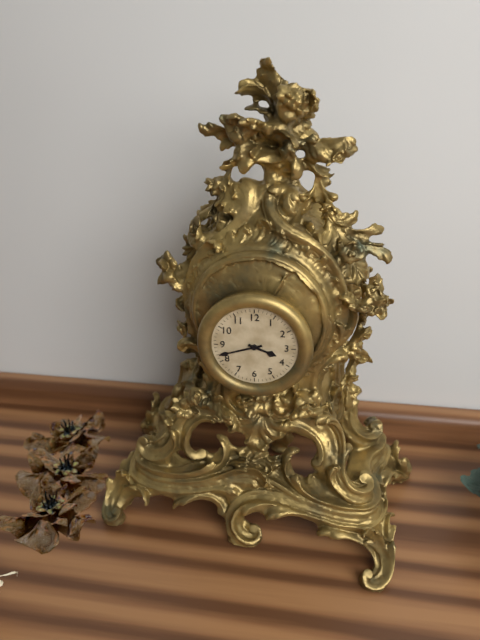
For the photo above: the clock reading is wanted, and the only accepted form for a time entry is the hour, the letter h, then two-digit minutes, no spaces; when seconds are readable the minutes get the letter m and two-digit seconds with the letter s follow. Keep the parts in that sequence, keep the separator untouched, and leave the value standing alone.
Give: 3h42
